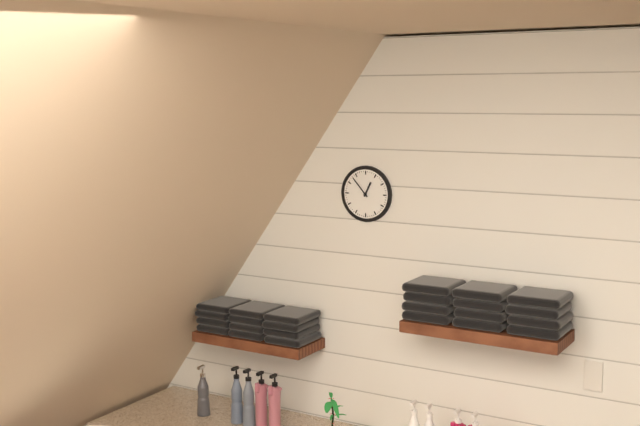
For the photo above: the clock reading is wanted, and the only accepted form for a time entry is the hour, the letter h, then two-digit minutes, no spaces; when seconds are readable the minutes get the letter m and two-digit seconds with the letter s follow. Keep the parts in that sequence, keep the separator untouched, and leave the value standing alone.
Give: 12h53
